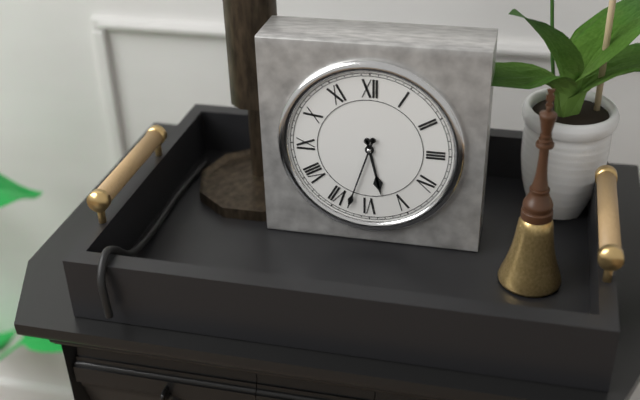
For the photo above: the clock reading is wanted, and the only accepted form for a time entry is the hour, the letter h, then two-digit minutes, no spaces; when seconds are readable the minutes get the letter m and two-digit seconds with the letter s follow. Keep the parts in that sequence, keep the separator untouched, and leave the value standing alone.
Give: 5h33
